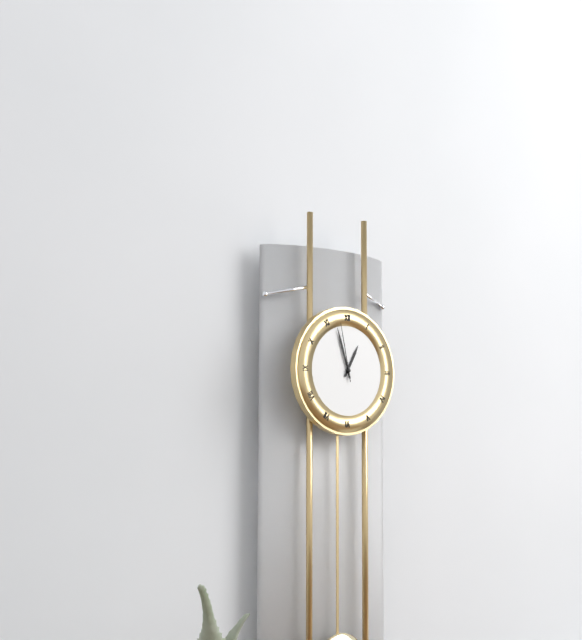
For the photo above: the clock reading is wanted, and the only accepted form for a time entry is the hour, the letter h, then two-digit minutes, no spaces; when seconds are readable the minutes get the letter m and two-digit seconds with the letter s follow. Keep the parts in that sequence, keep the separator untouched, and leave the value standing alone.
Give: 12h57m58s
